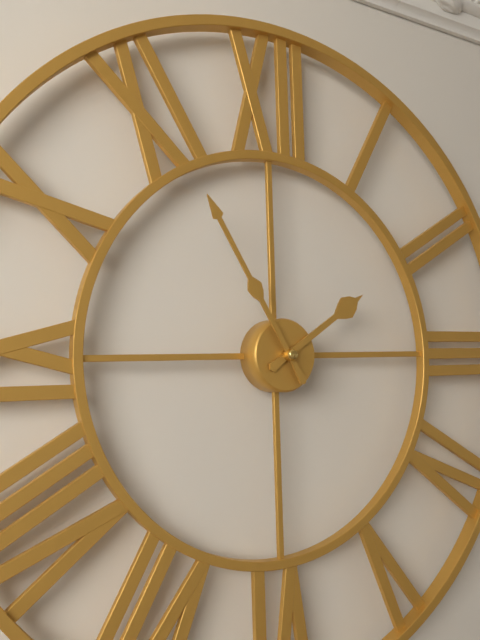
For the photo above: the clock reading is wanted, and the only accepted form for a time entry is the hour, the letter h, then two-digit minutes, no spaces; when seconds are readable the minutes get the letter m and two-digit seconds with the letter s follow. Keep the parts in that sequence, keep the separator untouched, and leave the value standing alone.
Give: 1h55
